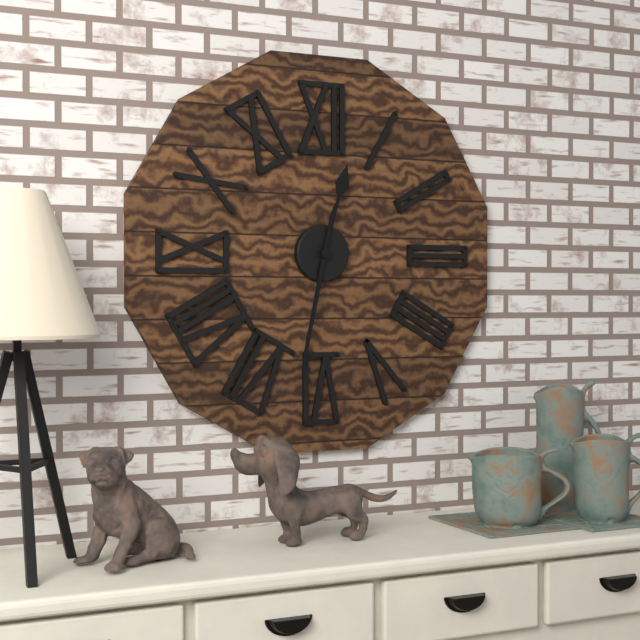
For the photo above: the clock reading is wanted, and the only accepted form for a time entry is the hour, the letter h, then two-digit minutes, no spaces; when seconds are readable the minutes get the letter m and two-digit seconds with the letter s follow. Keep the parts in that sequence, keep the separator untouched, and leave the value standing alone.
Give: 12h32
